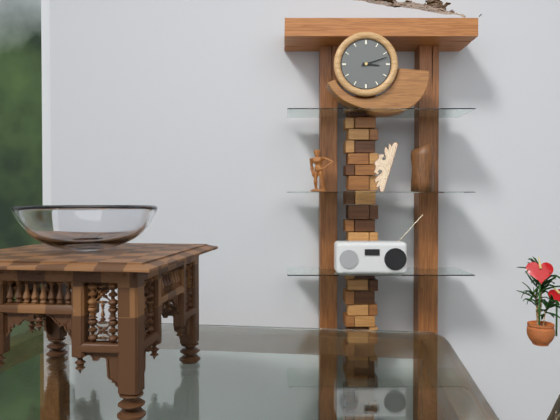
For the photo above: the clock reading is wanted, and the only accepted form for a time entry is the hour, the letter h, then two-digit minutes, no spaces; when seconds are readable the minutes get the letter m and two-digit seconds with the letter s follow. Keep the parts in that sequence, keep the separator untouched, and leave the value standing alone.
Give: 3h12
